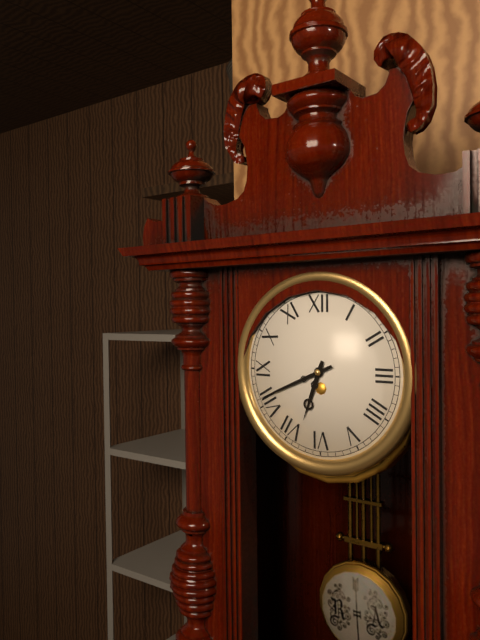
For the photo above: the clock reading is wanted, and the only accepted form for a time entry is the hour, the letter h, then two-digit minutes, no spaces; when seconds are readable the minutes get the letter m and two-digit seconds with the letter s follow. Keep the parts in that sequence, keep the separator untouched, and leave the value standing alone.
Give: 6h41
